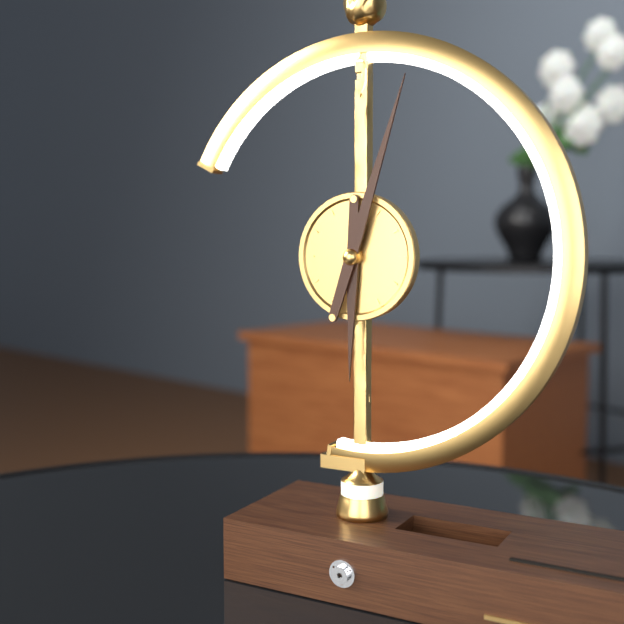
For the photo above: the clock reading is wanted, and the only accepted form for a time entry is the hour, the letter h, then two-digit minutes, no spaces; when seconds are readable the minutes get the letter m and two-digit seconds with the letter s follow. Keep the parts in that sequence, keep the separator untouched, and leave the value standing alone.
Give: 6h03
